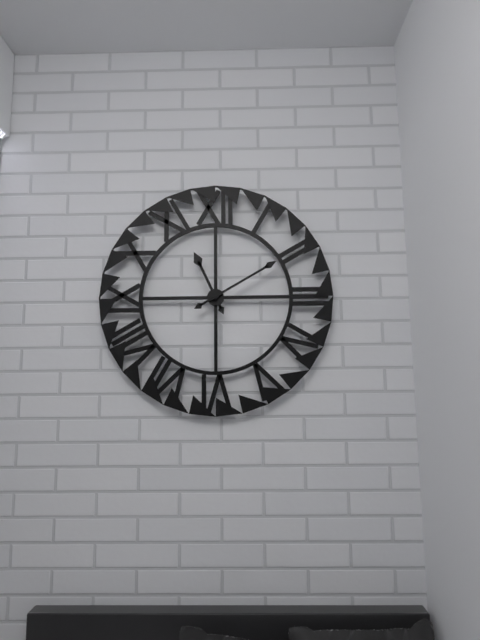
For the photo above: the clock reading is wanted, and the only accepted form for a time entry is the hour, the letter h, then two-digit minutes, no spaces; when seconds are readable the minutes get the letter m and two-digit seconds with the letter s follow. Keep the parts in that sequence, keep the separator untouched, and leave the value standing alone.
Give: 11h10
